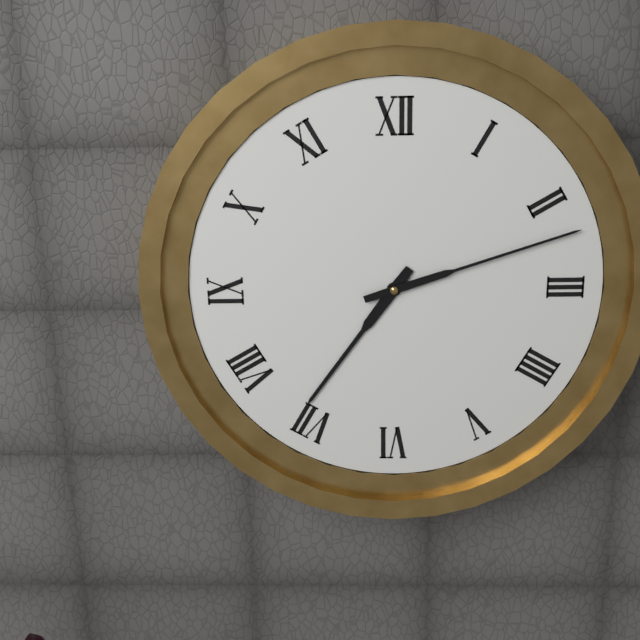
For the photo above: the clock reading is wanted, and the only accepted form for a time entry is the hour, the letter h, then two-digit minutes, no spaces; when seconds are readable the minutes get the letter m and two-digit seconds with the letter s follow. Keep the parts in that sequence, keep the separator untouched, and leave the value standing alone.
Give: 7h12
